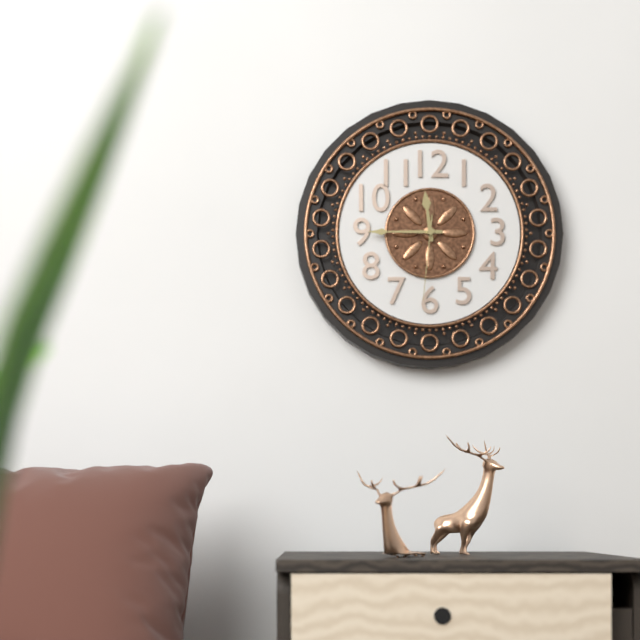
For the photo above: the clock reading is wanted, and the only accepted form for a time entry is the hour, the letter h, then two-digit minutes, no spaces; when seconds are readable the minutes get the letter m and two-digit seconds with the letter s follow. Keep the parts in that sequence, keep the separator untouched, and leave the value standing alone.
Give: 11h45m31s
